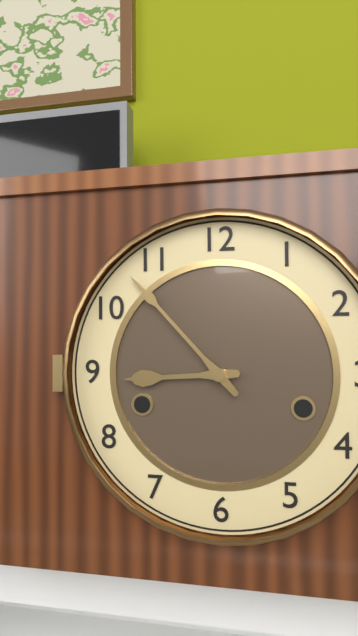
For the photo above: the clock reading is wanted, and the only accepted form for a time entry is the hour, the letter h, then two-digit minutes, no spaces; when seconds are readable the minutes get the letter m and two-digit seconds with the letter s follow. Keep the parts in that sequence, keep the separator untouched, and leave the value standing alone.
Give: 8h53
